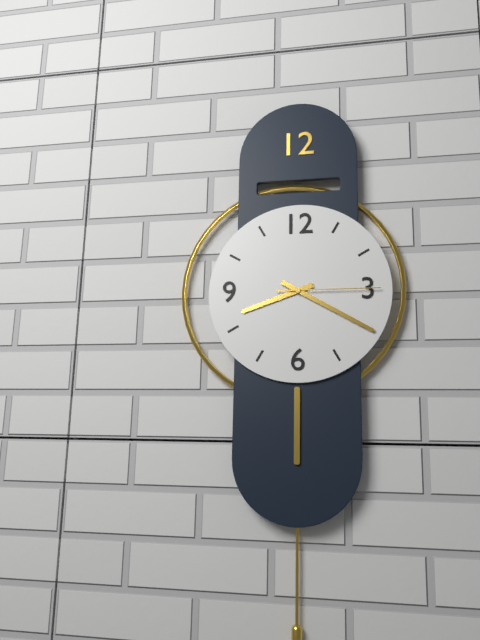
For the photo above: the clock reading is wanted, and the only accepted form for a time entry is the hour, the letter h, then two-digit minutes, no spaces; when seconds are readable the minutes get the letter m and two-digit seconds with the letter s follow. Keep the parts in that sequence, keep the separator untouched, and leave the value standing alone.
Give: 8h20m15s
